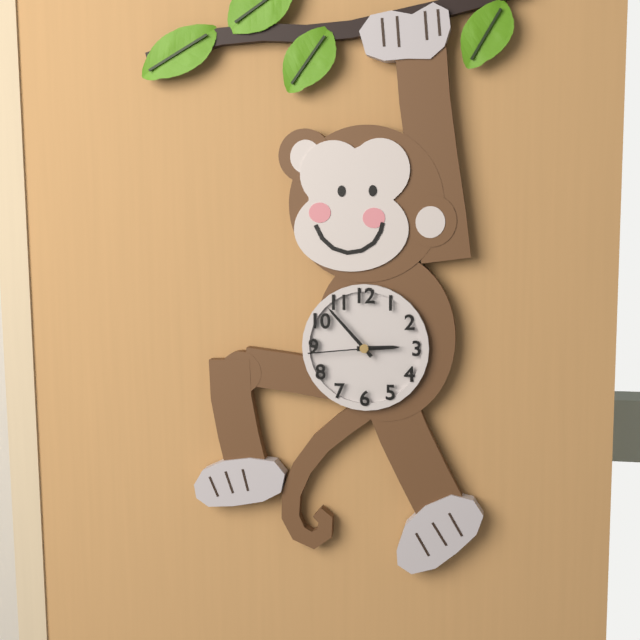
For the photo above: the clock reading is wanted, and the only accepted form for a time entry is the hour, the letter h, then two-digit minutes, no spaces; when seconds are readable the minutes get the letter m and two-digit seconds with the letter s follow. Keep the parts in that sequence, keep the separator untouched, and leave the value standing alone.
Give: 2h53m44s
